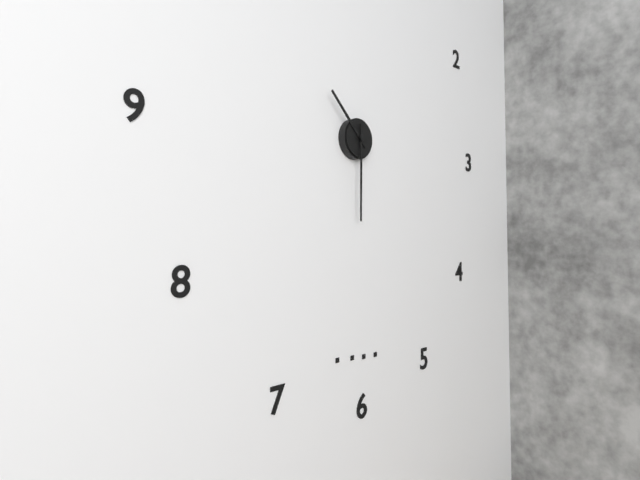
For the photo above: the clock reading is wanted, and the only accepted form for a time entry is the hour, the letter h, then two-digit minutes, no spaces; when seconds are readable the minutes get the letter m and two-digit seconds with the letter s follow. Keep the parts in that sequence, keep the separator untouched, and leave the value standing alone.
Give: 10h30
